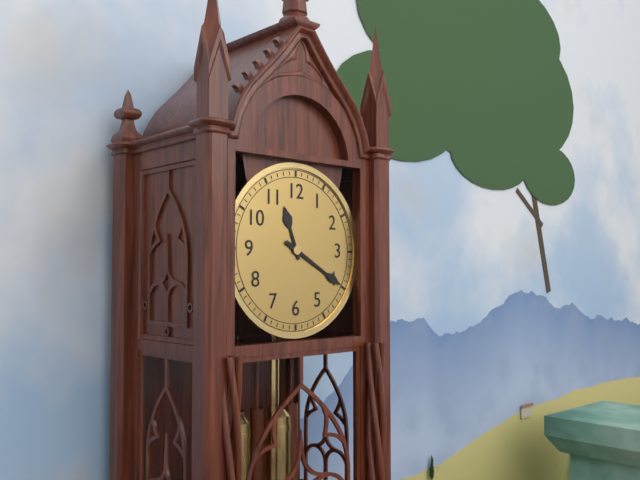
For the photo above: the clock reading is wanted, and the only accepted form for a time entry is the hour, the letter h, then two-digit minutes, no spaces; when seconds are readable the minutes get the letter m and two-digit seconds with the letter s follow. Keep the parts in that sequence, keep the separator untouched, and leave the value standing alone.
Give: 11h20
